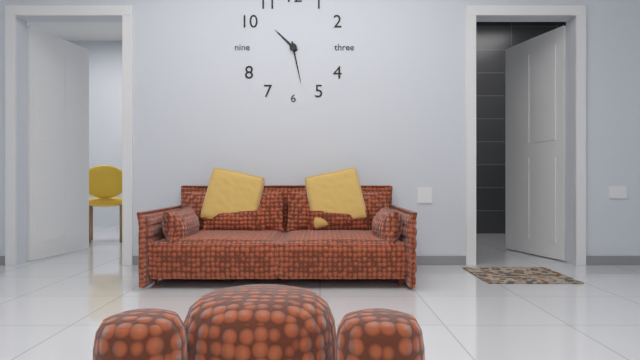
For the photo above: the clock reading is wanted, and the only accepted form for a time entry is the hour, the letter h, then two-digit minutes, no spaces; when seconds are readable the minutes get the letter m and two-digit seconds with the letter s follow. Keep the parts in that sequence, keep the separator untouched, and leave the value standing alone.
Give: 10h28
